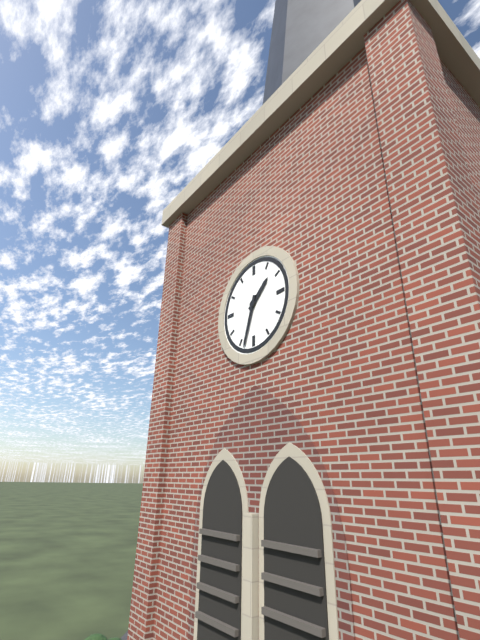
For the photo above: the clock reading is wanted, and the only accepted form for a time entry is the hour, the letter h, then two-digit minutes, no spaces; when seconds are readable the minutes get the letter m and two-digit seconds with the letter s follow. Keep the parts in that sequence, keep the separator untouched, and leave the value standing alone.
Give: 1h33
